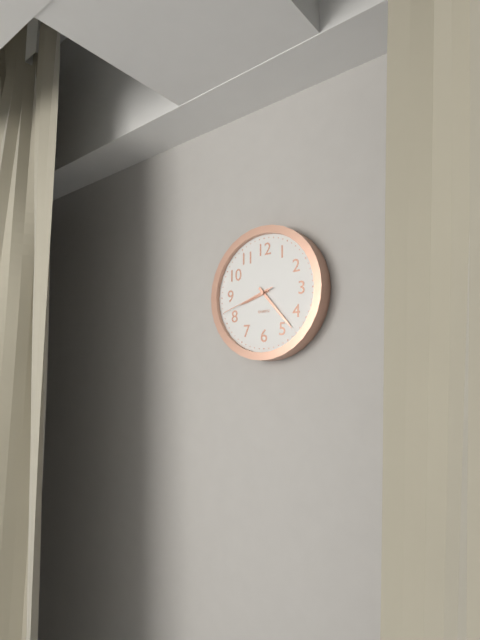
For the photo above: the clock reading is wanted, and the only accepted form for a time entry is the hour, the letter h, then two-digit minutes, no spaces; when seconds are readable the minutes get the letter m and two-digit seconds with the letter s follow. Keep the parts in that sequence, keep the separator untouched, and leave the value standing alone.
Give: 8h23m42s
